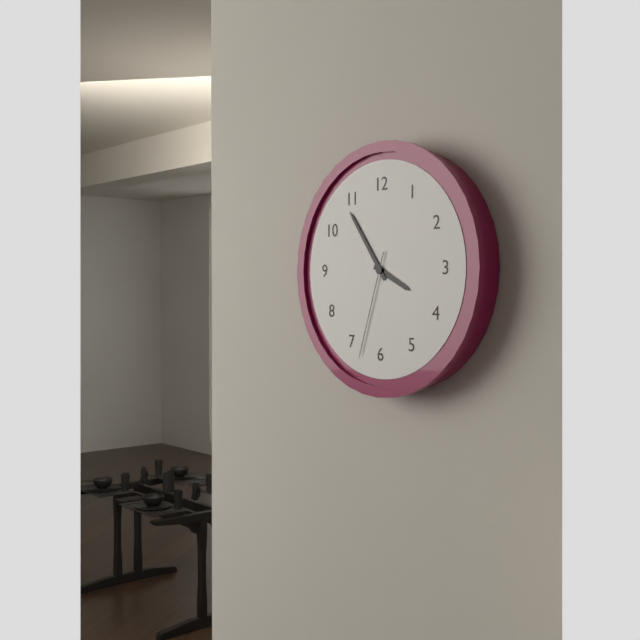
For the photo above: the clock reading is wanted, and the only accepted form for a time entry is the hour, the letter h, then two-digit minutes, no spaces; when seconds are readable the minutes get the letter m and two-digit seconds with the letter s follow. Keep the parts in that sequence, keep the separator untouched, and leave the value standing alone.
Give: 3h54m33s
